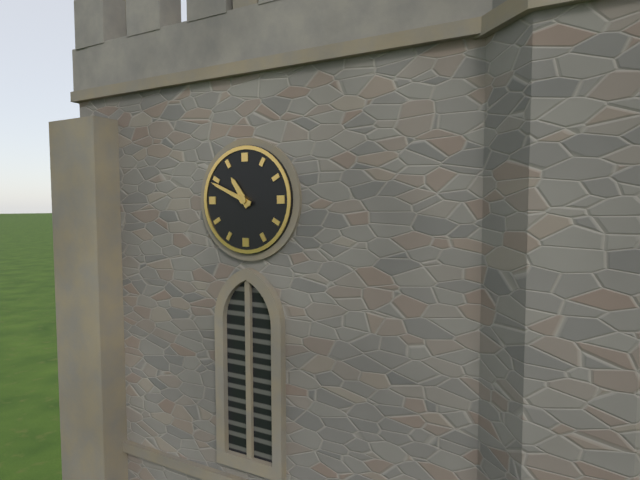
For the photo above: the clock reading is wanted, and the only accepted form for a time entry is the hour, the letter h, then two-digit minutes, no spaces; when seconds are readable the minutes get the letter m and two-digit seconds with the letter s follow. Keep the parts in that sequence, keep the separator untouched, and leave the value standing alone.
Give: 10h49
